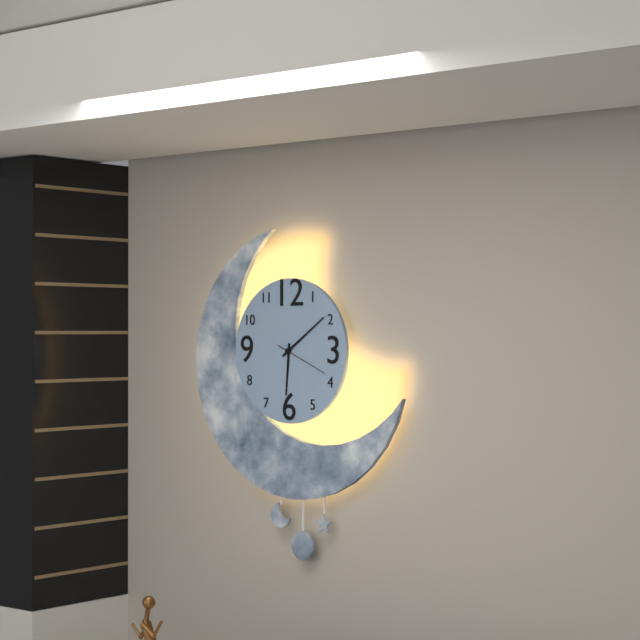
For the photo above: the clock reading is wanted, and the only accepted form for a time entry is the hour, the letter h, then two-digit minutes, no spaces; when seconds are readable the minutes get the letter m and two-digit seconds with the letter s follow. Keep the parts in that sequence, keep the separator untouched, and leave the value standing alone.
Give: 6h09
